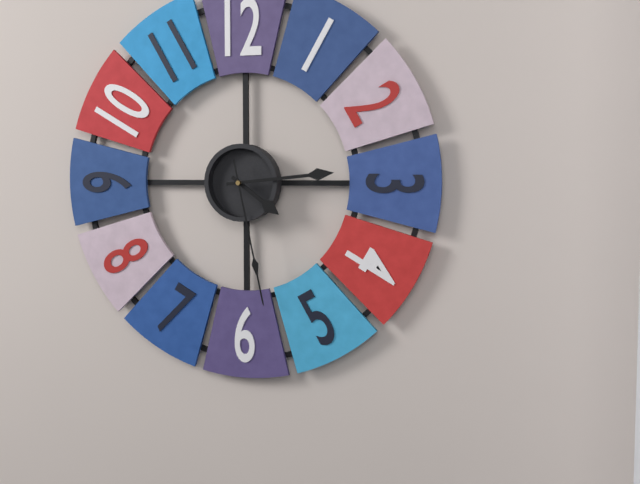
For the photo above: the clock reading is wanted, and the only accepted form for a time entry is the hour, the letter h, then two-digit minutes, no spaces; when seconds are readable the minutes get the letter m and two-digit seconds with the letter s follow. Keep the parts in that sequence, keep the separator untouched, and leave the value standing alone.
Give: 4h14m28s
